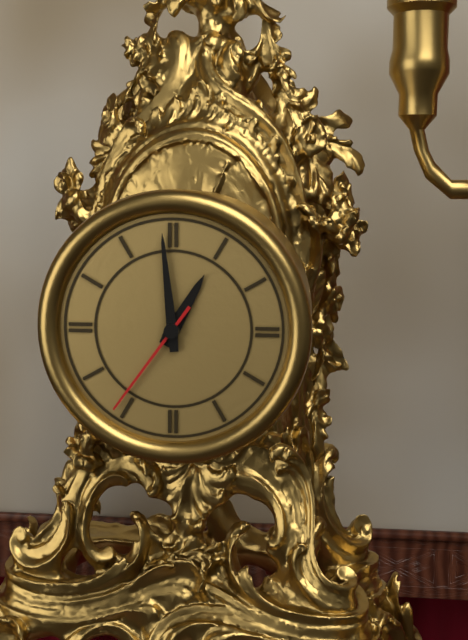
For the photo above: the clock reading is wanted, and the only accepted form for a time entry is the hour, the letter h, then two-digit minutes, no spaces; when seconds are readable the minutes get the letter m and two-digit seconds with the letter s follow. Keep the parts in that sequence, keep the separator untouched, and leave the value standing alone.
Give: 12h59m36s
